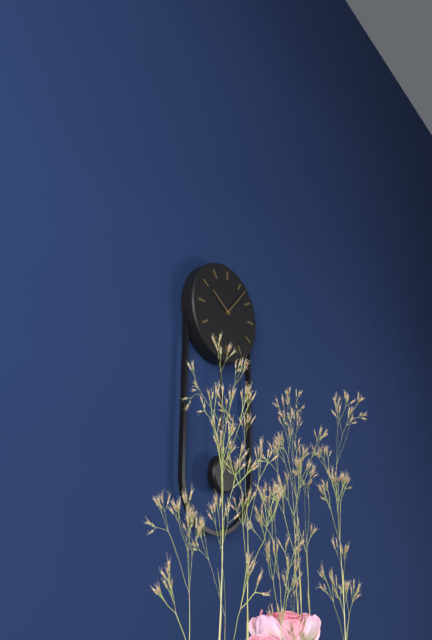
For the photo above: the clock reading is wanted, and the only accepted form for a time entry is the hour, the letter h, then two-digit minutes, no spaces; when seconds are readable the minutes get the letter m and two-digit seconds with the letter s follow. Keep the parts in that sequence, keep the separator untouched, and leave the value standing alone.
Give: 10h07
